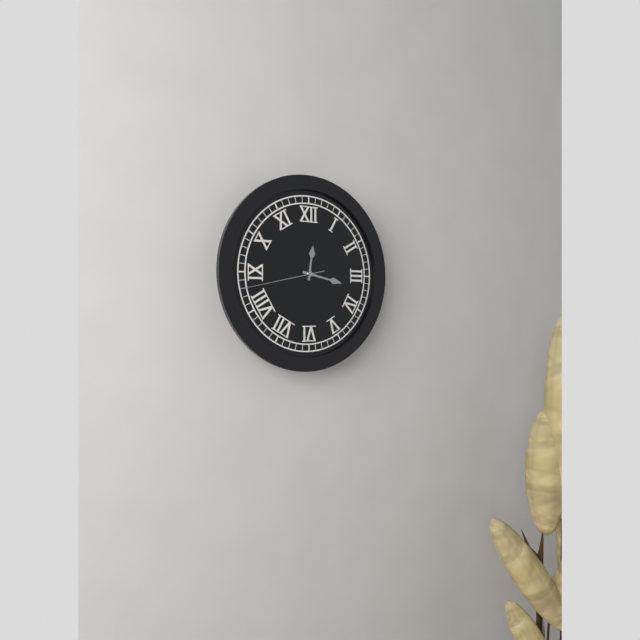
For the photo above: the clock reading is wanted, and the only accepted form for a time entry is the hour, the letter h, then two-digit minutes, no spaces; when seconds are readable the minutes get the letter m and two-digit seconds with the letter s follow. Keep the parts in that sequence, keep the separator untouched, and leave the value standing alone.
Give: 12h17m43s
